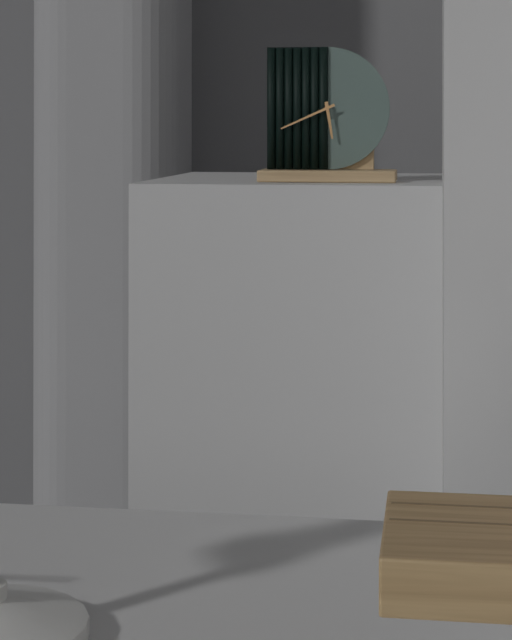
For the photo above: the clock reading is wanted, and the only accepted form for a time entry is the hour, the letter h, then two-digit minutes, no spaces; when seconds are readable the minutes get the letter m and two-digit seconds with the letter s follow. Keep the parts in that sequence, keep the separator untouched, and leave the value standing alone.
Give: 5h41
